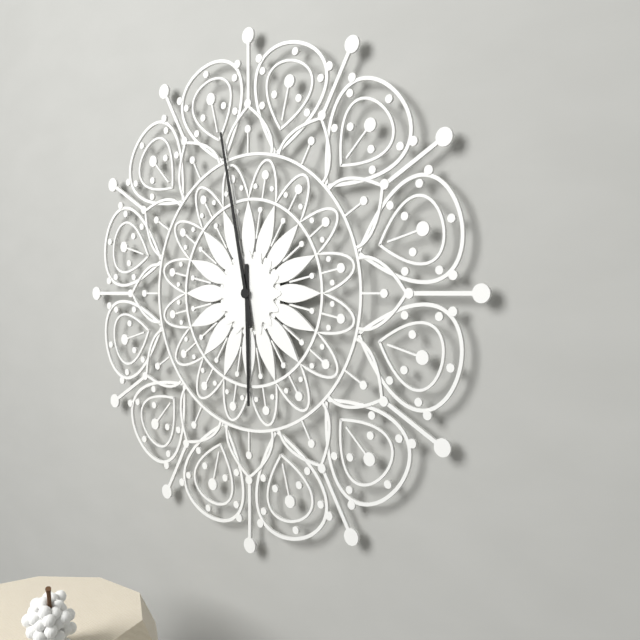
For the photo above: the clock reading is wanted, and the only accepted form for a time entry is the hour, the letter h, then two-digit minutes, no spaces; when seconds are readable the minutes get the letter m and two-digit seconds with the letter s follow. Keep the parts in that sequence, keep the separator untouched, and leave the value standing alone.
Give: 5h58
